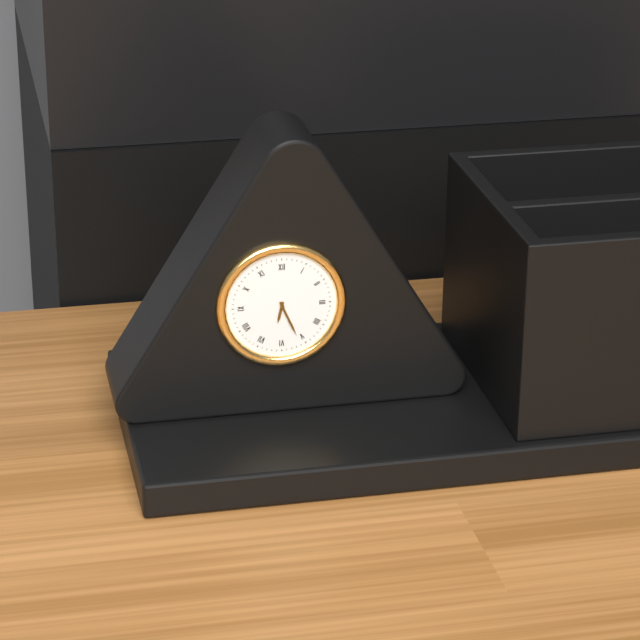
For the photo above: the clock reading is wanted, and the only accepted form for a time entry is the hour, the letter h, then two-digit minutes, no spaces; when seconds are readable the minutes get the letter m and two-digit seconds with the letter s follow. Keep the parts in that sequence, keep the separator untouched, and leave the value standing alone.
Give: 6h26
